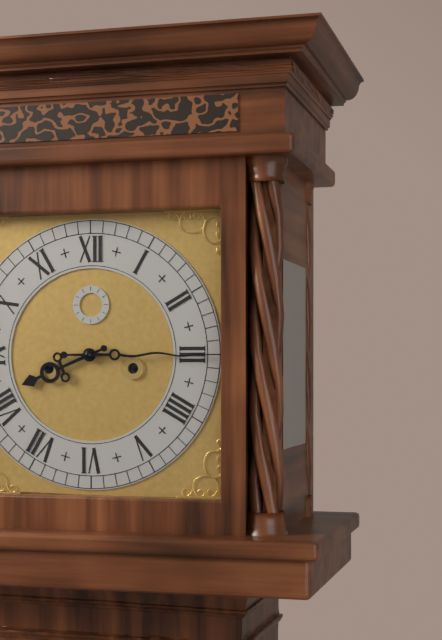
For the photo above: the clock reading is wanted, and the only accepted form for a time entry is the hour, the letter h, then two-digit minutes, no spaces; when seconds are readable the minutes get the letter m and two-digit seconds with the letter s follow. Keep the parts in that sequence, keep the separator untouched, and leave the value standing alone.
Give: 8h15
